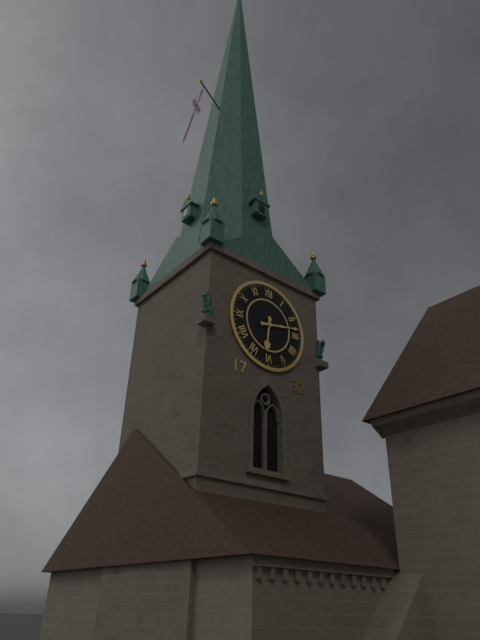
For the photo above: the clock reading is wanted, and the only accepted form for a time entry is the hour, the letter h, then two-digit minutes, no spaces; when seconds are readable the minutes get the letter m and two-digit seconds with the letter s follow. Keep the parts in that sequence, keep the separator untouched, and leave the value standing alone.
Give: 6h13
